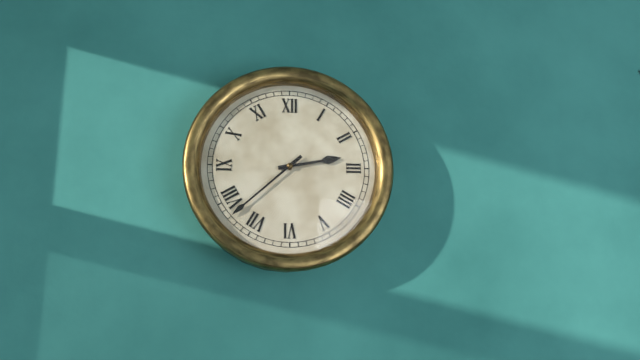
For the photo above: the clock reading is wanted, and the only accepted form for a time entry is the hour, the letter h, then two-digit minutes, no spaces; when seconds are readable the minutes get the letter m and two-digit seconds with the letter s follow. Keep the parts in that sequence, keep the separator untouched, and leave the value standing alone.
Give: 2h38
